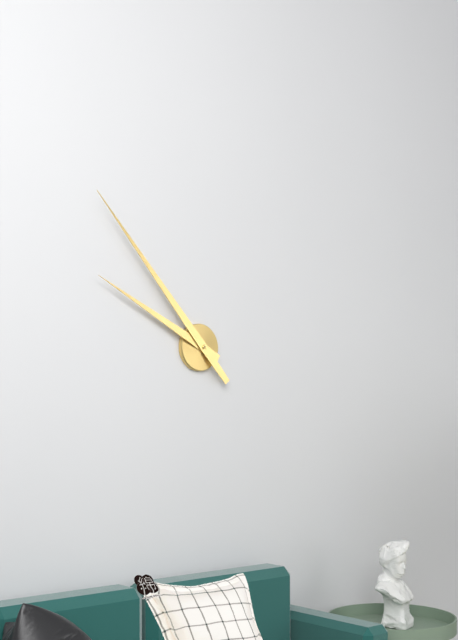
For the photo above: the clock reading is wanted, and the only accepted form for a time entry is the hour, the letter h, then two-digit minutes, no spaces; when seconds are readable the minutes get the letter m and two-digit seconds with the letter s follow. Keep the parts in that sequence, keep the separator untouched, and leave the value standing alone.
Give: 9h53
